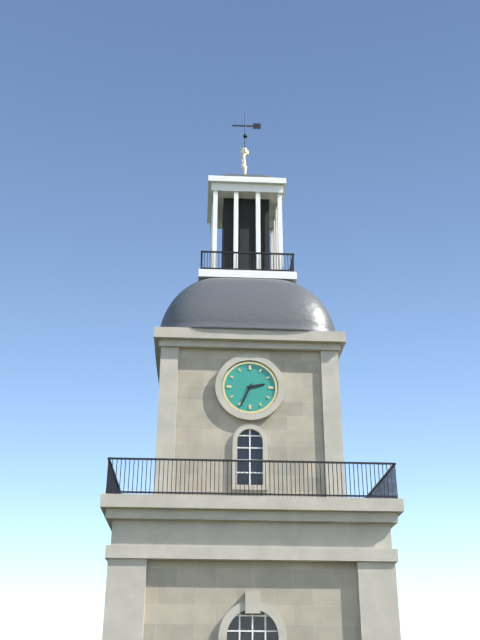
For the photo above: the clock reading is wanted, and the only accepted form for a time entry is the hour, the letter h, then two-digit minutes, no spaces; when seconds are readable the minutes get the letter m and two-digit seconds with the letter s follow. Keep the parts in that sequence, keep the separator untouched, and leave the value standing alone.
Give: 2h34
